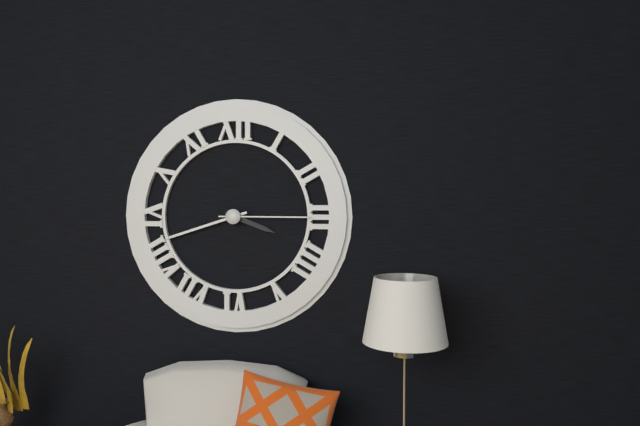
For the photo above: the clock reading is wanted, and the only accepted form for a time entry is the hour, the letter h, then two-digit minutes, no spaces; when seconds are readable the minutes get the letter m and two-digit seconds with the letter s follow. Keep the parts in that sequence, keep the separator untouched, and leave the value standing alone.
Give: 3h42m15s
